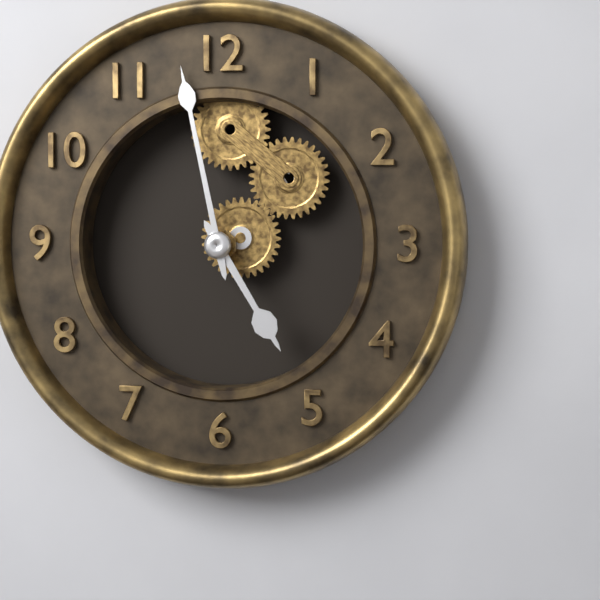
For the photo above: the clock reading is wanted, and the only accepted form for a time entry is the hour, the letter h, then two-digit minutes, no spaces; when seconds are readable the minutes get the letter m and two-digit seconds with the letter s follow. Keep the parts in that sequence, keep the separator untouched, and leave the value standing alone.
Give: 4h58
